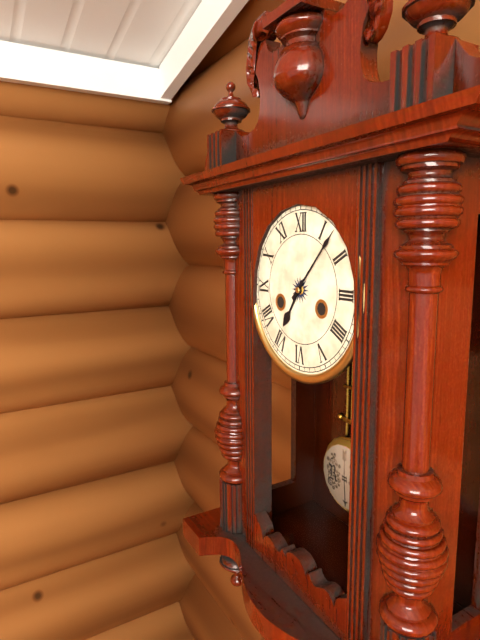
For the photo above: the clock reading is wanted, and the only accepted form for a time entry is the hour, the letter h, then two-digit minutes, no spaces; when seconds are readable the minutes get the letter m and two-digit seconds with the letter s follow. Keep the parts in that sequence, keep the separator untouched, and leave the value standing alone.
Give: 7h07
